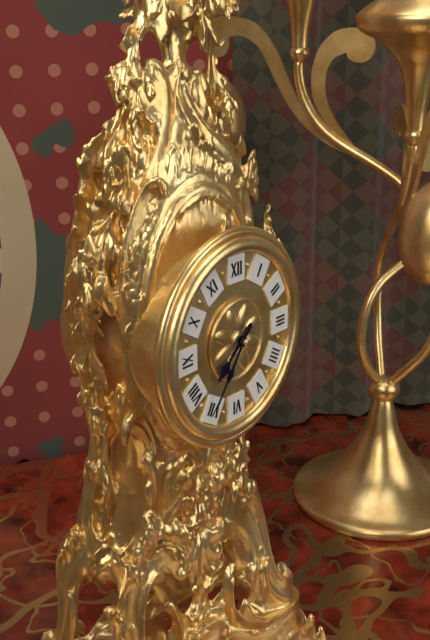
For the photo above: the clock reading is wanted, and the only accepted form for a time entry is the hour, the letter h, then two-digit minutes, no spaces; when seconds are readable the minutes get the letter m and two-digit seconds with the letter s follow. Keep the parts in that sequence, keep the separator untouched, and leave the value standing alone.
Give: 7h36
